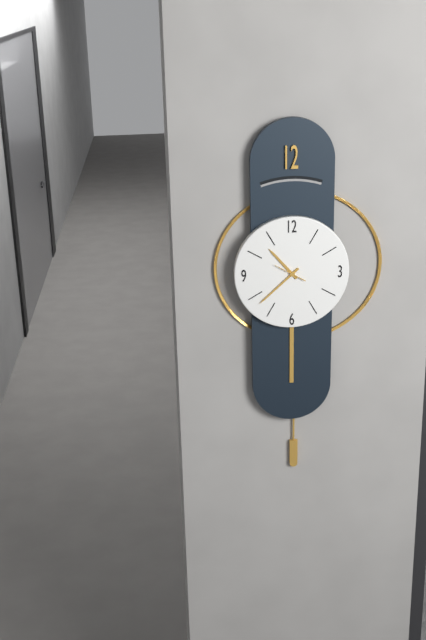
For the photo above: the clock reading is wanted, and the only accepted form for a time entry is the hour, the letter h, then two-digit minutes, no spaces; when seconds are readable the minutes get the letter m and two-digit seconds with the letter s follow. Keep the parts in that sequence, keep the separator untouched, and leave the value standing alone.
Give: 10h38
